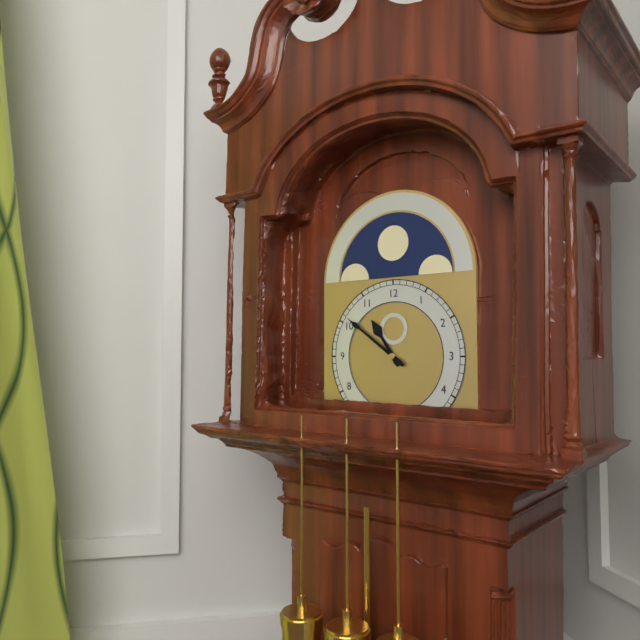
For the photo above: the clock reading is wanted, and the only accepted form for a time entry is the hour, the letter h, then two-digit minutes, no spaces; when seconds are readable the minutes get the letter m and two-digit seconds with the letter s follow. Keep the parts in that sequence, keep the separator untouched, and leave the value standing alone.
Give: 10h51
